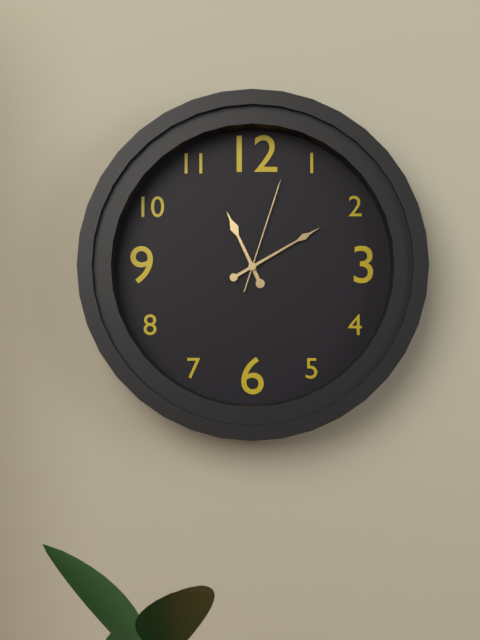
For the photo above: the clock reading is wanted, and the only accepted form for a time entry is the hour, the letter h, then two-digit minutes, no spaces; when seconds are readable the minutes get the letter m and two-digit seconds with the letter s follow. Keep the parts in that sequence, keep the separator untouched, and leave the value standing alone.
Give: 11h10m03s
